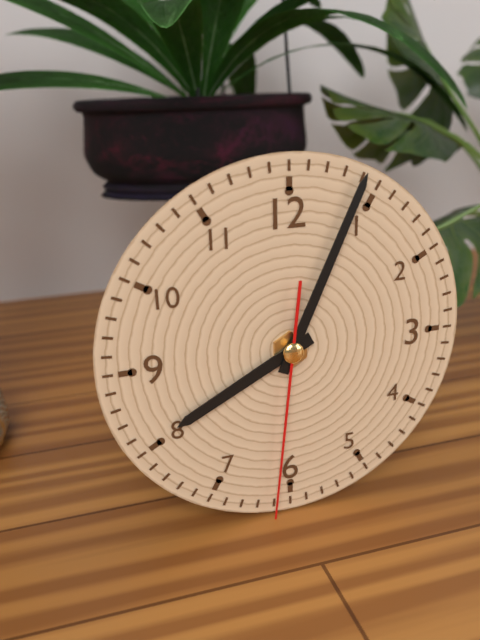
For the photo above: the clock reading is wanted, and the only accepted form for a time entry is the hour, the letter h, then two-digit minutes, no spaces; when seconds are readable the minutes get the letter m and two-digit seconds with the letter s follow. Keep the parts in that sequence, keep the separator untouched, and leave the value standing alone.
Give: 8h04m31s
